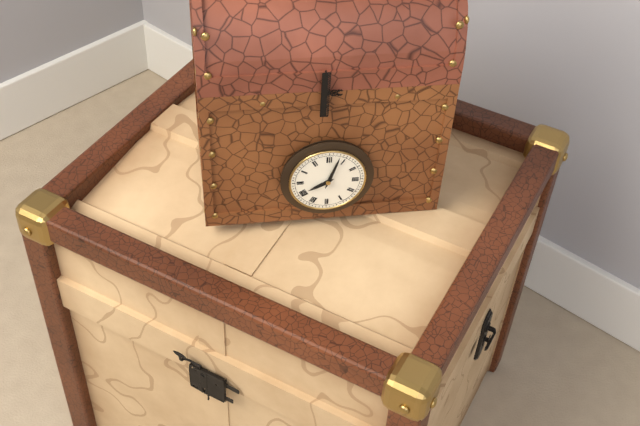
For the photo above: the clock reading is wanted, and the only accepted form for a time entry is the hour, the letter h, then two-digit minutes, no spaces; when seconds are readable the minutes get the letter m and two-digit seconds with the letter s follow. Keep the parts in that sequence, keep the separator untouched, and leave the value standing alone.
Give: 8h03
